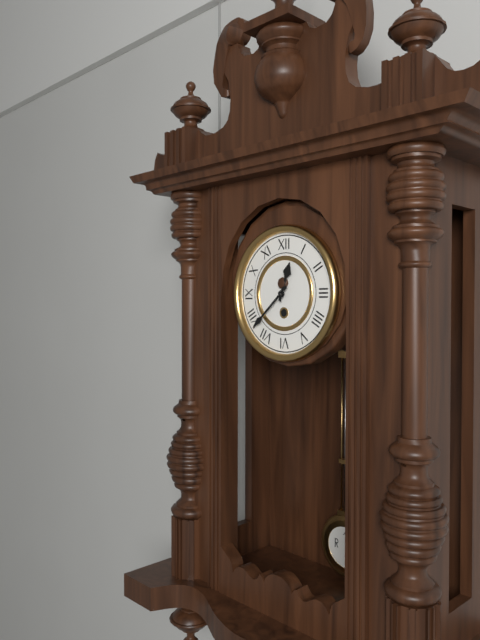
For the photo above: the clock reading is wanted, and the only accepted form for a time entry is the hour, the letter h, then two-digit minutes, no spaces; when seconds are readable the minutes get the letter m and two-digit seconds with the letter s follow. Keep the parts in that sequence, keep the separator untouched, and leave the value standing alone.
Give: 12h38
